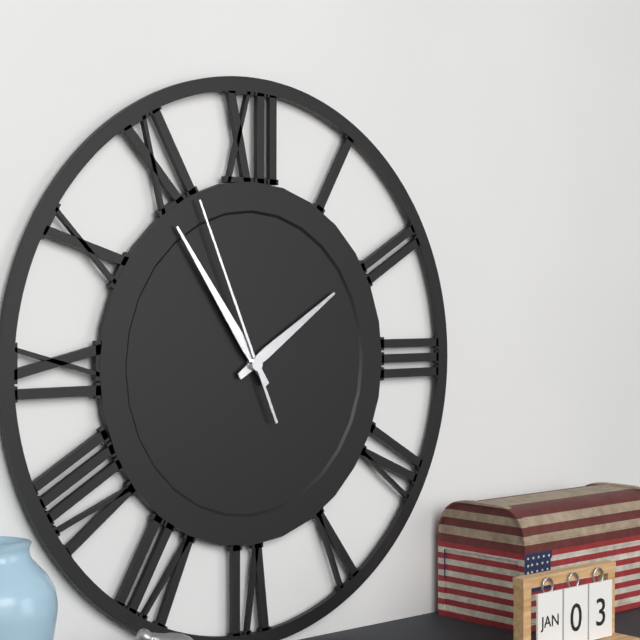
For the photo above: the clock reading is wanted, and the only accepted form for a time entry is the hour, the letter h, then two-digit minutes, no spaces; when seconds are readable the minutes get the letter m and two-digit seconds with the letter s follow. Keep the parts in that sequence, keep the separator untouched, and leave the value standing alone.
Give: 1h54m56s
